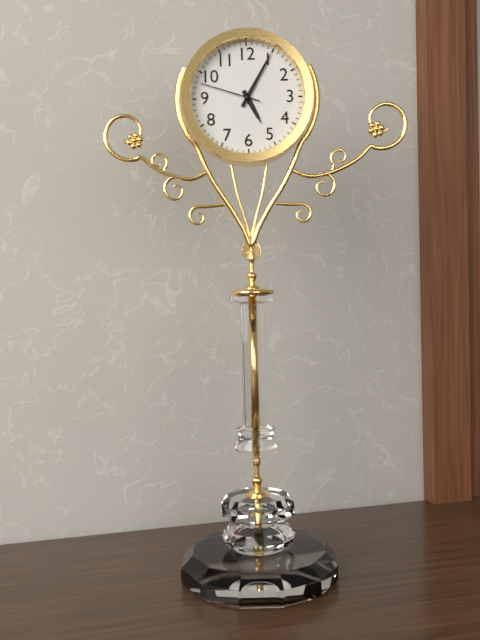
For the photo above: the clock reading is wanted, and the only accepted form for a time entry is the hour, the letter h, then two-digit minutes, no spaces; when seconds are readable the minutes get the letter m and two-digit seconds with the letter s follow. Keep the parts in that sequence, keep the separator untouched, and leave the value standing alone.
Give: 5h05m48s
